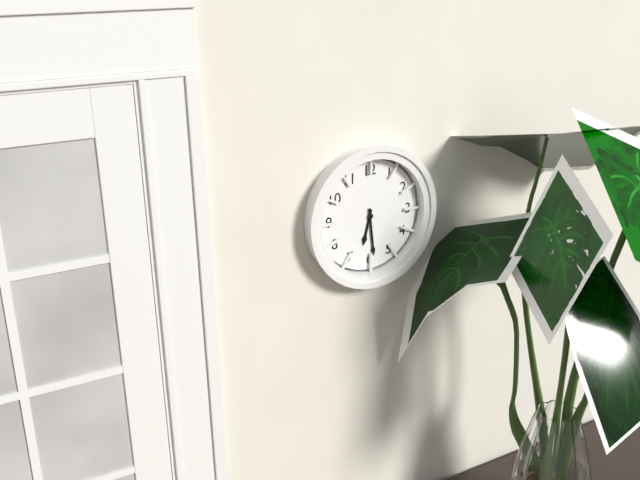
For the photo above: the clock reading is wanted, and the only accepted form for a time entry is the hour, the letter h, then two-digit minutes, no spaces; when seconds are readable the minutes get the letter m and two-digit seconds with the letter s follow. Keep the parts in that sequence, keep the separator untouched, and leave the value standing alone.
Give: 6h29
